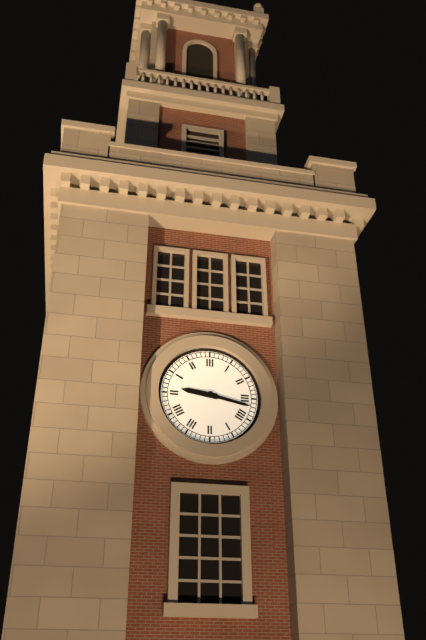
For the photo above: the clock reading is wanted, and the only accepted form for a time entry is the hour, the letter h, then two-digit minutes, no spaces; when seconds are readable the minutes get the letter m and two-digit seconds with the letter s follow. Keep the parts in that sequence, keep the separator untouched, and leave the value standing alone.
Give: 9h17
